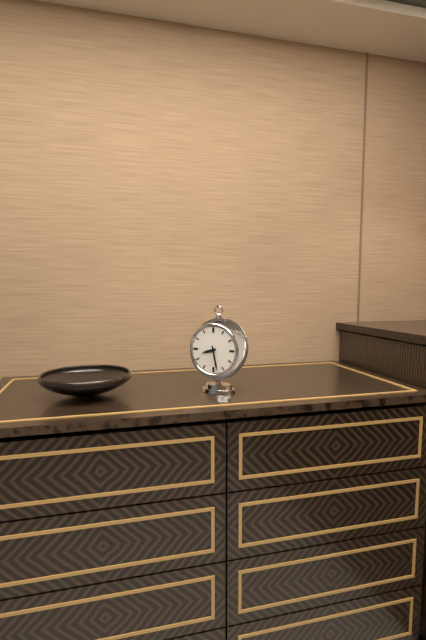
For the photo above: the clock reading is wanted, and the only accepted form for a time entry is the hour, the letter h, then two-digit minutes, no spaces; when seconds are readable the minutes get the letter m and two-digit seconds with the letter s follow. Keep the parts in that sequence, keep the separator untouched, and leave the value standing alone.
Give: 8h28
